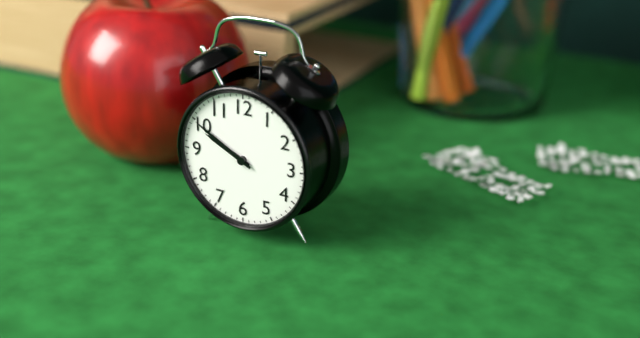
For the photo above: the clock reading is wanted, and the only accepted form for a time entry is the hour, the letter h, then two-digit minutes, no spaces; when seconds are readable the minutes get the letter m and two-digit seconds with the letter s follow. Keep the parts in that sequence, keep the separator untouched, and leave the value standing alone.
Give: 9h50
